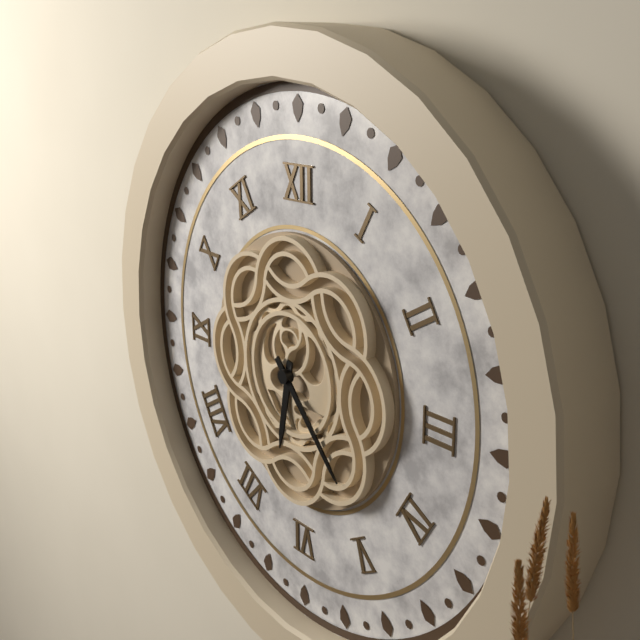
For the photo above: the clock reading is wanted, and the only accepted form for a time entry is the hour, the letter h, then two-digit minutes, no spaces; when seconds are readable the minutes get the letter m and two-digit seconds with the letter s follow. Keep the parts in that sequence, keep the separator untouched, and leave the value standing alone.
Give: 6h23
